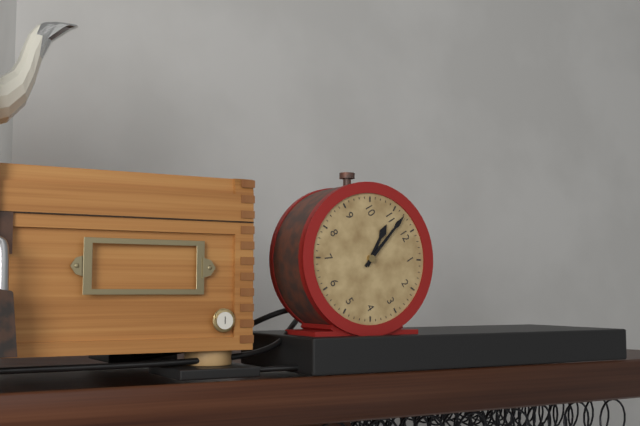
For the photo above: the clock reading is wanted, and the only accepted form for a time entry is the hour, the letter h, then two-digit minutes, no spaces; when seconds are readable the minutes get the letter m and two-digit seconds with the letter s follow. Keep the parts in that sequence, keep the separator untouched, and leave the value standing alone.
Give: 10h57
